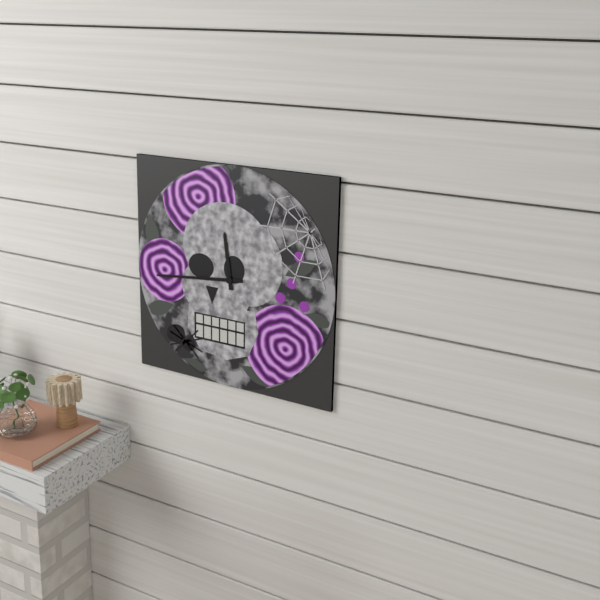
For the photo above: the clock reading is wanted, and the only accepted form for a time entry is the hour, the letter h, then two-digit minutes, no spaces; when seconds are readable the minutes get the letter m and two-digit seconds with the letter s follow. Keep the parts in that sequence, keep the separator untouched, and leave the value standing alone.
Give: 11h44
